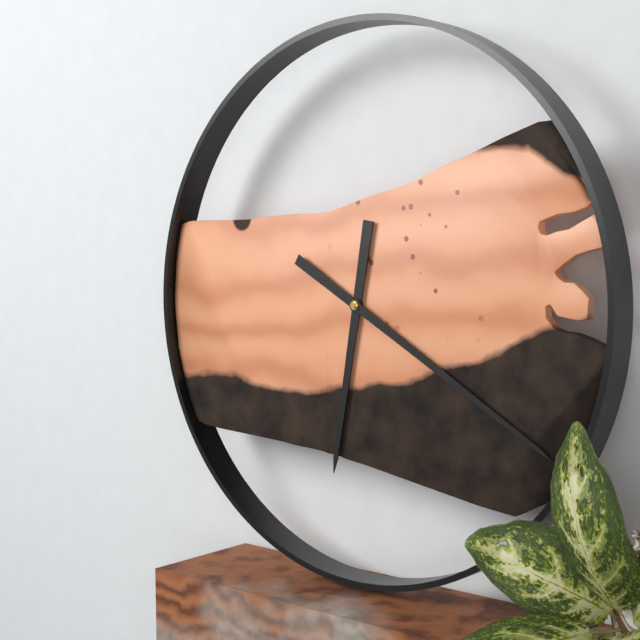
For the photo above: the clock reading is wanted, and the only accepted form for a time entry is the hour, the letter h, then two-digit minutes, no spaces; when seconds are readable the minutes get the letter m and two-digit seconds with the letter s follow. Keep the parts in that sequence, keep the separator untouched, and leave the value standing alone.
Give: 6h20
